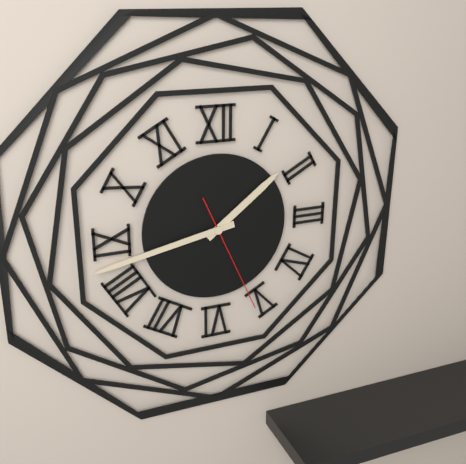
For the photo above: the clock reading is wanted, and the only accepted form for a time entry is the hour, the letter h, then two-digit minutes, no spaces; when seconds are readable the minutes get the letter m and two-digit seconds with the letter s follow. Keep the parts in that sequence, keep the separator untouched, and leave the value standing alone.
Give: 1h43m26s
